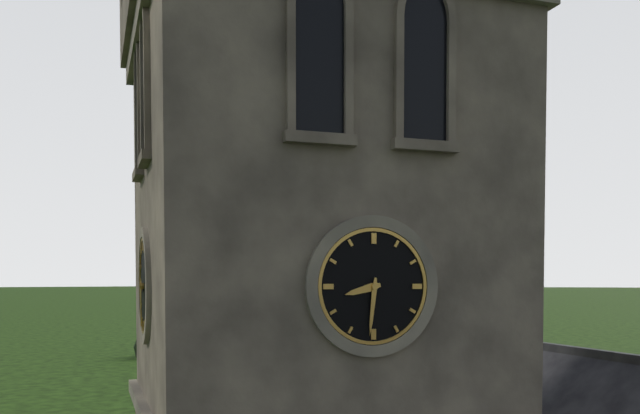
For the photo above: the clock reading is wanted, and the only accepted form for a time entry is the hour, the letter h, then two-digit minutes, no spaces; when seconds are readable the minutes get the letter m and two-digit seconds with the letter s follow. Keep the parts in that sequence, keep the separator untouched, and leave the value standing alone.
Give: 8h31
